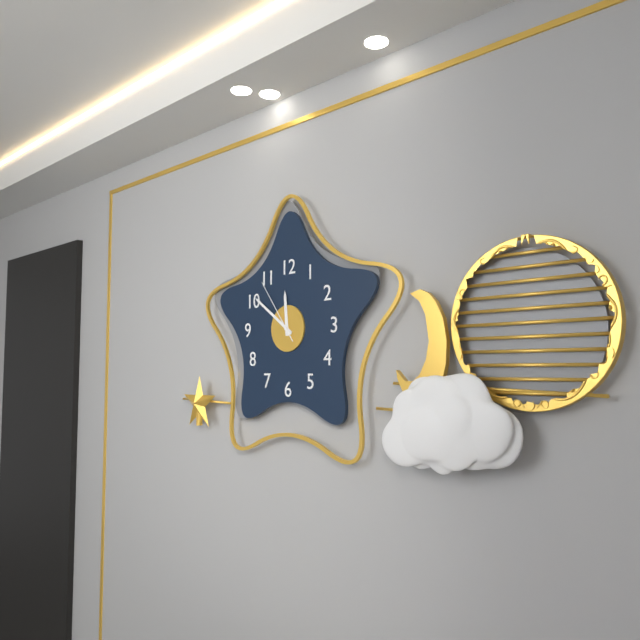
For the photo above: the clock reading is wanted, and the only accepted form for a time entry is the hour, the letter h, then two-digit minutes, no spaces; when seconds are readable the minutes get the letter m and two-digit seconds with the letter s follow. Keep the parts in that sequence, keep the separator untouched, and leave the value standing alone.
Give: 11h51m54s
